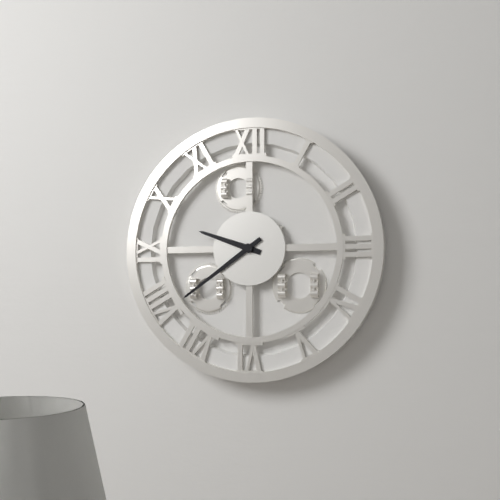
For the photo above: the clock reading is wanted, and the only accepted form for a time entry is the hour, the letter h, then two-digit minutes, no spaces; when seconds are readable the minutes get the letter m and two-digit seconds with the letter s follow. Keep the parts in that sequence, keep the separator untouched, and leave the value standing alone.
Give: 9h39
